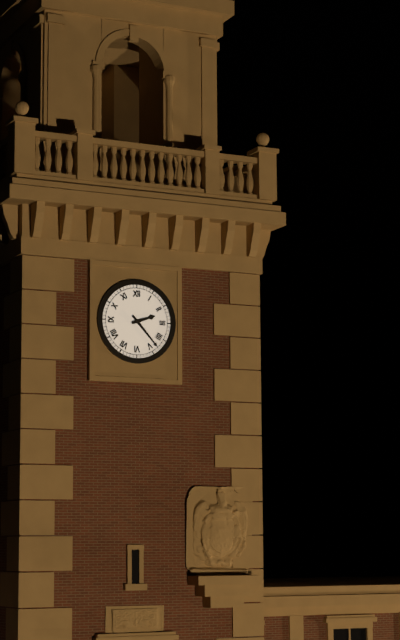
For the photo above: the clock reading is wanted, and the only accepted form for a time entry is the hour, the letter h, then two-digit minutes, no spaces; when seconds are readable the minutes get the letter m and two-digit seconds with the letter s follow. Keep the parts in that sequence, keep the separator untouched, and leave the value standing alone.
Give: 2h23
